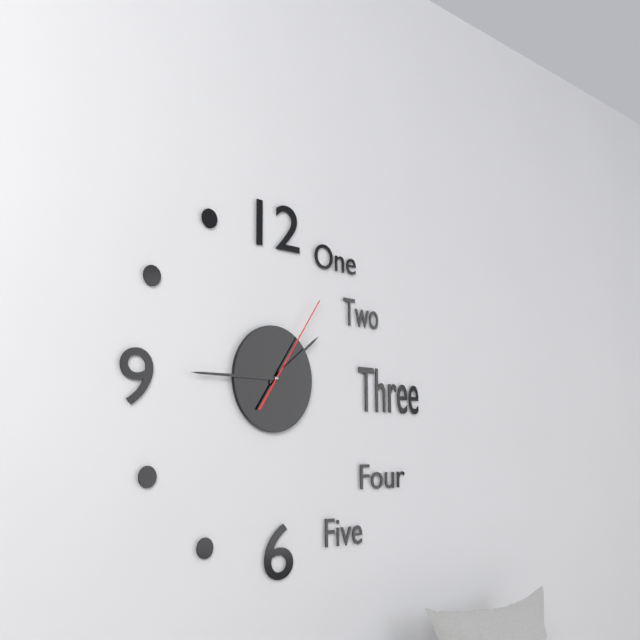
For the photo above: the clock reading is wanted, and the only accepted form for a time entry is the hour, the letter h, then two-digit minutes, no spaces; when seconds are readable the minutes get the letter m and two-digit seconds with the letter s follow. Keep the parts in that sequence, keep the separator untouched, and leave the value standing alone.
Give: 1h45m06s
